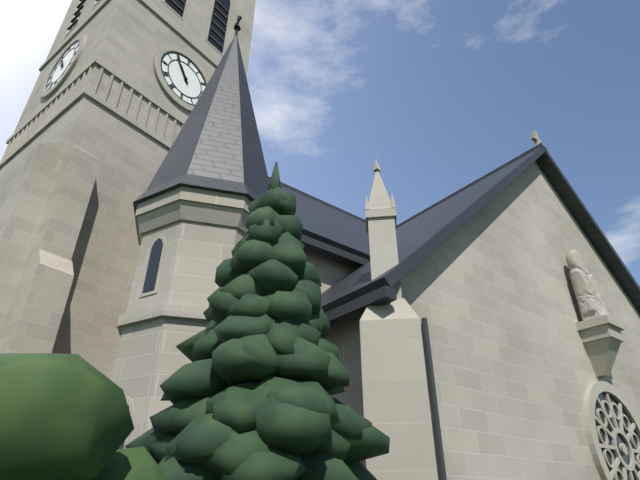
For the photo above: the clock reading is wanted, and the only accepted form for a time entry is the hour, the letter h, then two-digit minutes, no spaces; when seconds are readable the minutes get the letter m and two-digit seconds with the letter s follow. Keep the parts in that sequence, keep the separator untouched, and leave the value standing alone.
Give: 10h54
